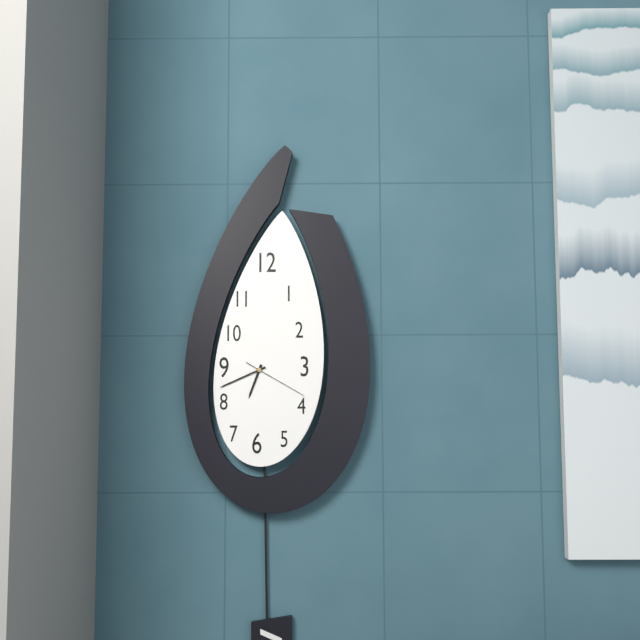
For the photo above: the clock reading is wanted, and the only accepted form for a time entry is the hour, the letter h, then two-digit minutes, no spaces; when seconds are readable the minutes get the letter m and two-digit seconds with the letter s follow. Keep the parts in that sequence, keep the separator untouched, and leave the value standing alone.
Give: 6h41m20s
